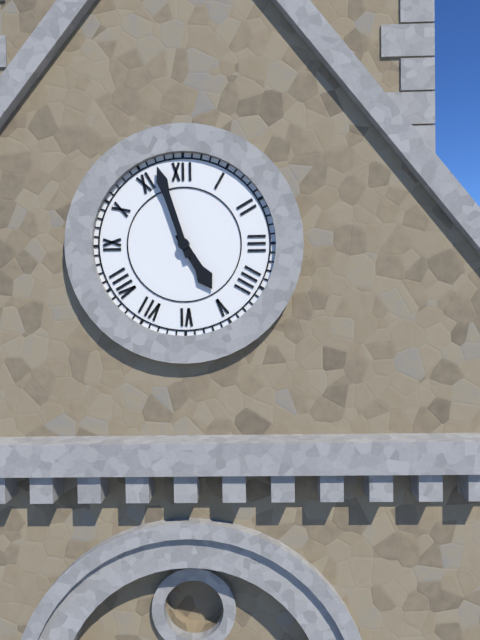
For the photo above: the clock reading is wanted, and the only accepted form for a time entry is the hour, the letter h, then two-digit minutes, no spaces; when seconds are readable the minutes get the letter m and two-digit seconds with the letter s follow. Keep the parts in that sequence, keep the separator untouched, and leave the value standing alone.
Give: 4h57
